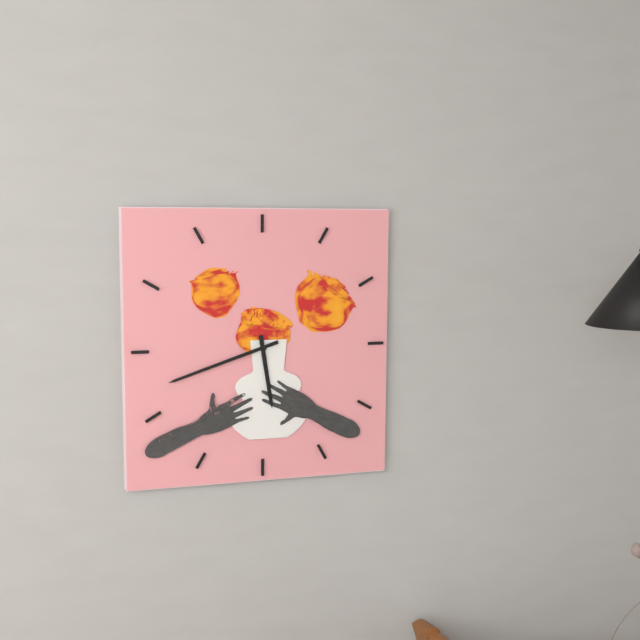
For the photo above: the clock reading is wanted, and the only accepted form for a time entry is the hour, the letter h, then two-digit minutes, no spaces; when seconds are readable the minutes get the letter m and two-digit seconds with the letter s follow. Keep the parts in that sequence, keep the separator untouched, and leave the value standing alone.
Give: 5h42
